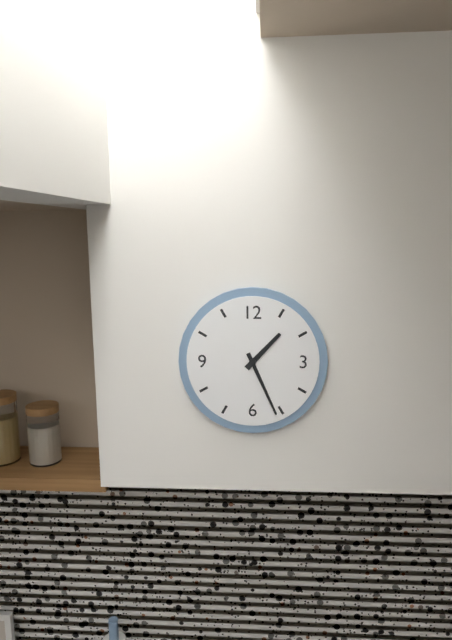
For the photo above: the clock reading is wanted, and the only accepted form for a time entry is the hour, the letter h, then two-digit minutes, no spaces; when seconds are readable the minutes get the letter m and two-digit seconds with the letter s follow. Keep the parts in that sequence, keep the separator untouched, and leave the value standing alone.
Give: 1h26
